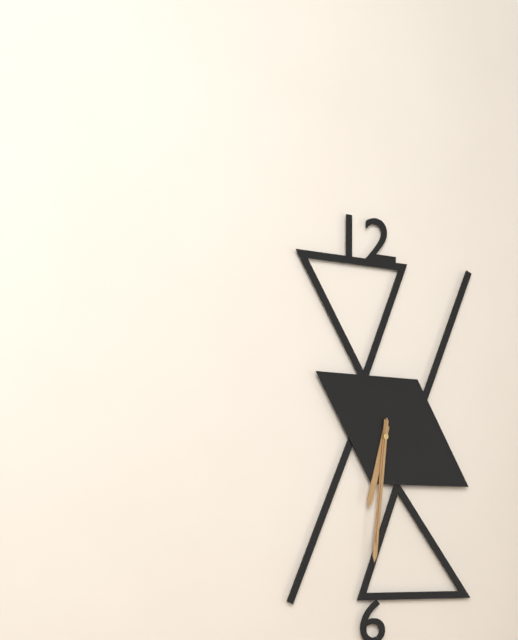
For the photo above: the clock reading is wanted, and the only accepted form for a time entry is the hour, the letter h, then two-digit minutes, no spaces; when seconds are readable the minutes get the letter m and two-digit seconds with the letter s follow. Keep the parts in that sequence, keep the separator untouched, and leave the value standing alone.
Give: 6h31m31s
